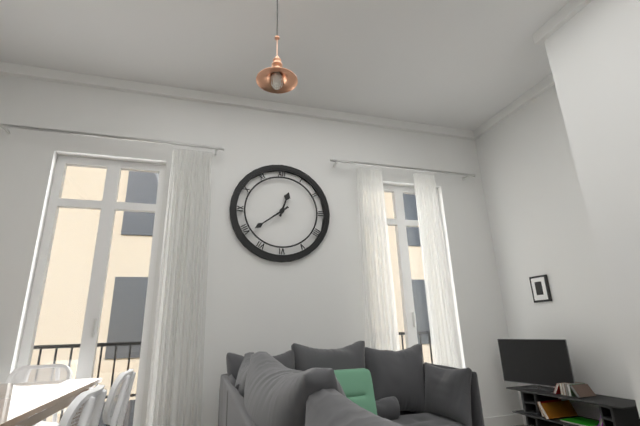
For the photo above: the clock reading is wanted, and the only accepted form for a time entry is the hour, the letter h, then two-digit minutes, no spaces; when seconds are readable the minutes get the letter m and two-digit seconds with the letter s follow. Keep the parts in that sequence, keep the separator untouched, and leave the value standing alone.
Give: 12h39
